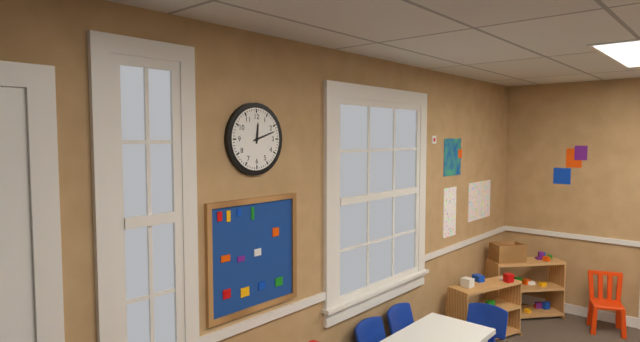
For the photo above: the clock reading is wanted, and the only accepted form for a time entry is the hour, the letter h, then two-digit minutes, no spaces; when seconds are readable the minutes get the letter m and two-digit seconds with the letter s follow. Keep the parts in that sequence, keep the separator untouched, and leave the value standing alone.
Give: 12h12
